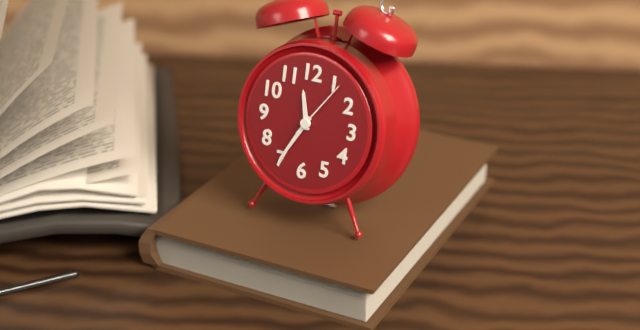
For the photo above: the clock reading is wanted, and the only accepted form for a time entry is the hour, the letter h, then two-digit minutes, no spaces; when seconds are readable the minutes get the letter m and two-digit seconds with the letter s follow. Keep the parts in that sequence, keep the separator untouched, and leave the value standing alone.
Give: 11h35m06s
